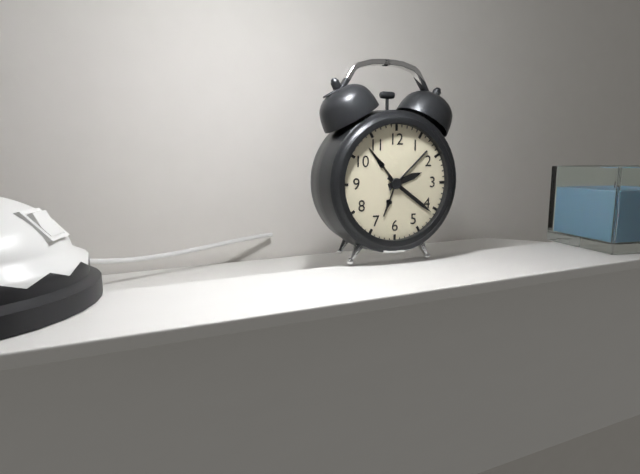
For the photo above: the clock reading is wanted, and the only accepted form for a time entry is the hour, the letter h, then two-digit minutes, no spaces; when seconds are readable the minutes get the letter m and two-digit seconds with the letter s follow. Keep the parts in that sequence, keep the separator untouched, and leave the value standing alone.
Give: 2h21
